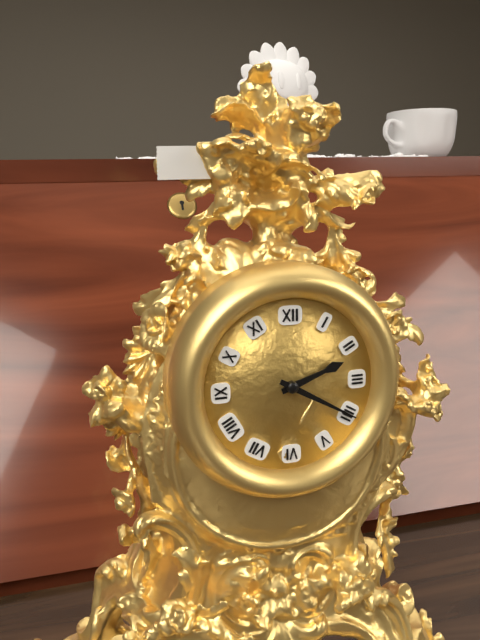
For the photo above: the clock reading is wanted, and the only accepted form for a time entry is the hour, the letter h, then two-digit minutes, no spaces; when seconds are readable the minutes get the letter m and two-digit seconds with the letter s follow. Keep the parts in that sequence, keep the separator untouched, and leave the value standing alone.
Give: 2h20
